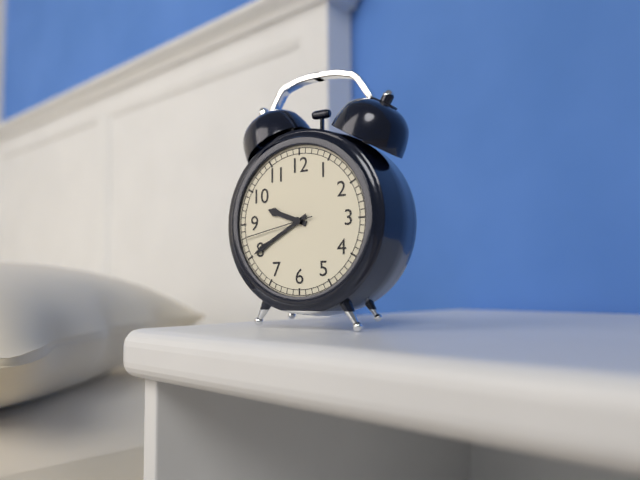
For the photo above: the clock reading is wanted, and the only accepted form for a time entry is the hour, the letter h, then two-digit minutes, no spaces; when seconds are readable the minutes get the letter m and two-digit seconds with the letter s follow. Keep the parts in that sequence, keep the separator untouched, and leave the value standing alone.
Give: 9h40m43s
